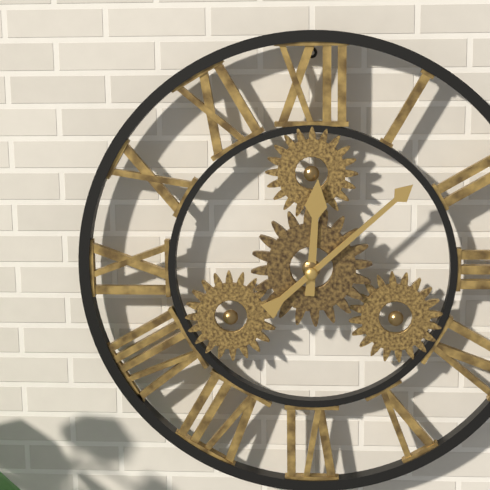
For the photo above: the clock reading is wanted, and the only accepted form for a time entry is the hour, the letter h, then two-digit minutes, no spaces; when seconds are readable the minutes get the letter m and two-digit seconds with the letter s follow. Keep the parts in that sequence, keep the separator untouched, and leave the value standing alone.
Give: 12h08
